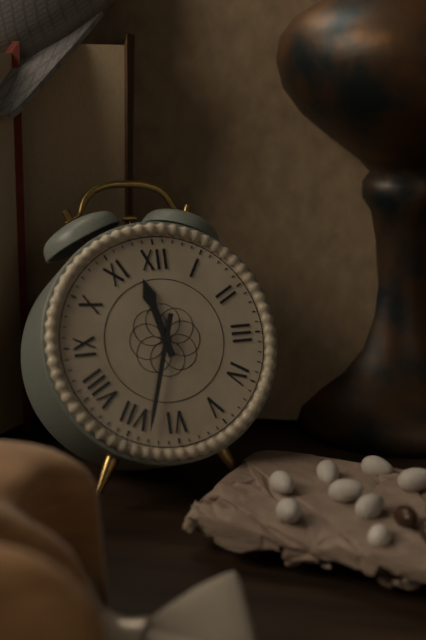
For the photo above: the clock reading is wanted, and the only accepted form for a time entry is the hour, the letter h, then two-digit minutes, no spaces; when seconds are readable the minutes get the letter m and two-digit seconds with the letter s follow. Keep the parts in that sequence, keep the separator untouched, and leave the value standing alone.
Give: 11h33
